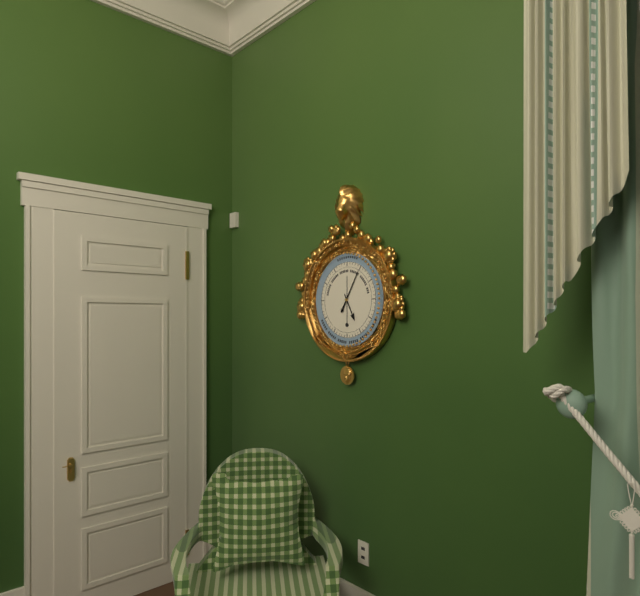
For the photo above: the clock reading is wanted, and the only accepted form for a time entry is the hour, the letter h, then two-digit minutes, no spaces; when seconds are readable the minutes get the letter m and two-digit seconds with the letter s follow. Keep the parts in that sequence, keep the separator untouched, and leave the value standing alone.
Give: 5h05
